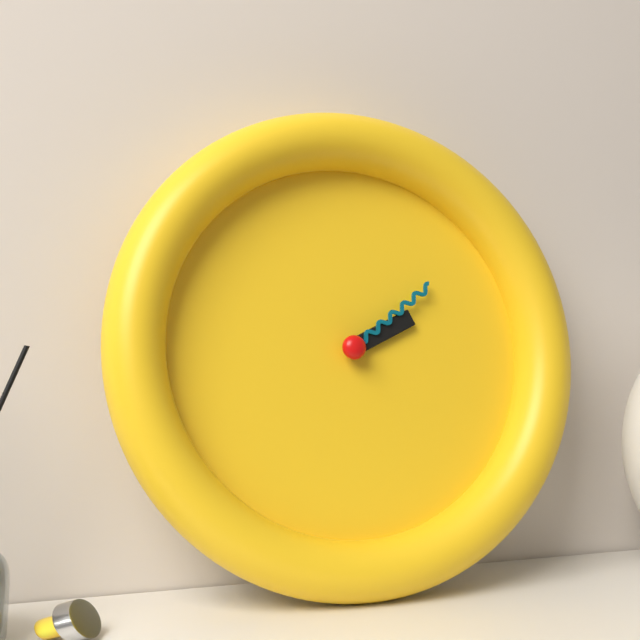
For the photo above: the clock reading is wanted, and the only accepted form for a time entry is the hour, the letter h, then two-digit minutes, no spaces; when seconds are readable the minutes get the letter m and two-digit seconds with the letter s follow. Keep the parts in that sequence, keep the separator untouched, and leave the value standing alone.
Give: 2h09
